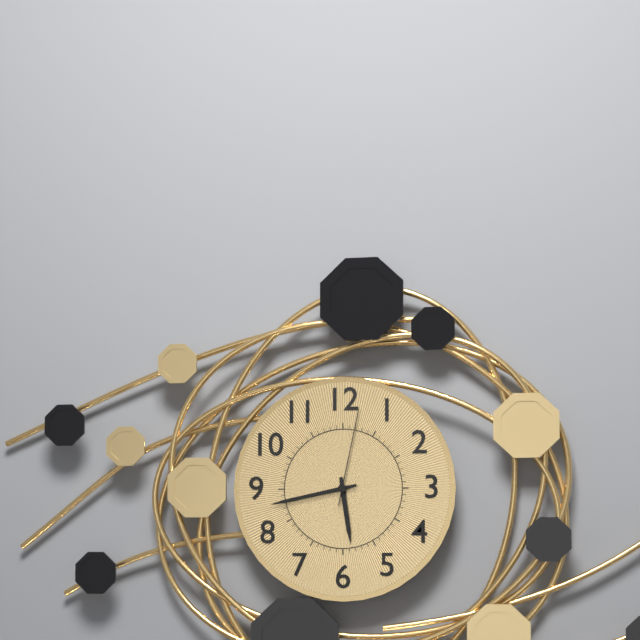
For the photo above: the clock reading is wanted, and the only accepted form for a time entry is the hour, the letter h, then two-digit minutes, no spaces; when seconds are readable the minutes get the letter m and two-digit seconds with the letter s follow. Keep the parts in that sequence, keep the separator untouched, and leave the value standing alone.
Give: 5h43m02s
